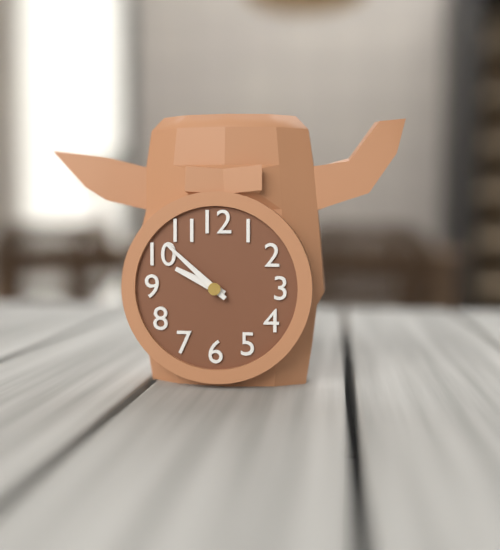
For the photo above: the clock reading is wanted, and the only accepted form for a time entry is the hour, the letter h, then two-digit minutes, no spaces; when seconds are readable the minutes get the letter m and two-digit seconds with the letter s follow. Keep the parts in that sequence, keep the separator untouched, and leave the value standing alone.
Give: 9h52
